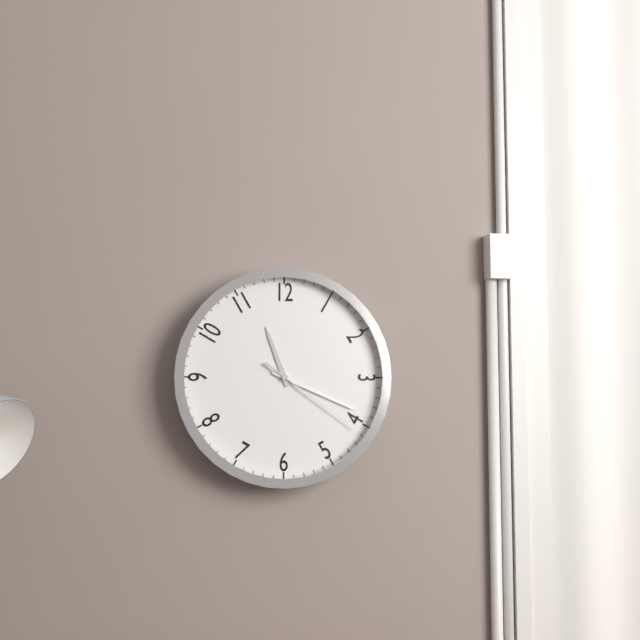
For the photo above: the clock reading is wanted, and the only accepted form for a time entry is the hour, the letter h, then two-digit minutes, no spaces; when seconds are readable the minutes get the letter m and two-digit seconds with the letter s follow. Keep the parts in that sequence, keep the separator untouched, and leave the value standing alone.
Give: 11h19m21s
